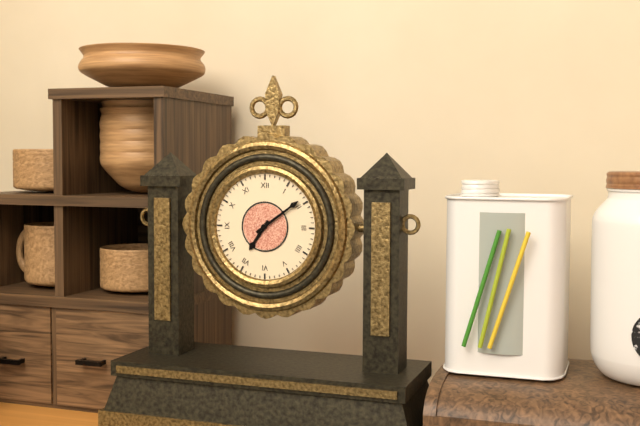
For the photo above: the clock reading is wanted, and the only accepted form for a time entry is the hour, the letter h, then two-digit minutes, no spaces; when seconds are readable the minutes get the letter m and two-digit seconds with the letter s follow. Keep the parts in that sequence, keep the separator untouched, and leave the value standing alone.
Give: 7h09
